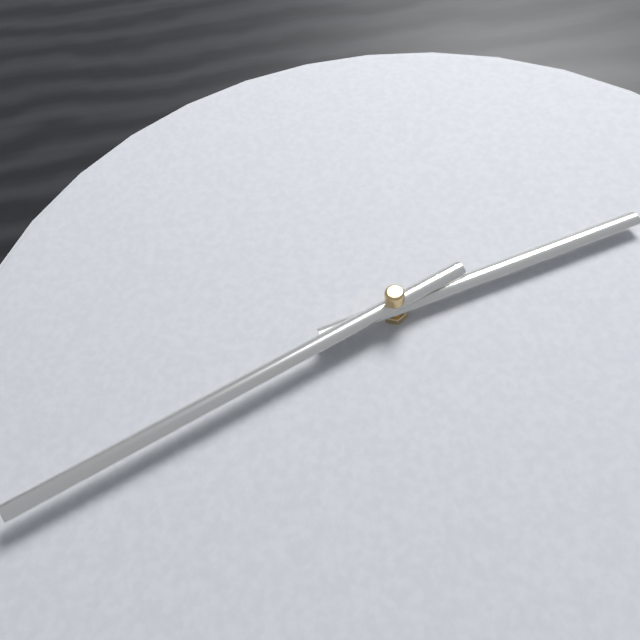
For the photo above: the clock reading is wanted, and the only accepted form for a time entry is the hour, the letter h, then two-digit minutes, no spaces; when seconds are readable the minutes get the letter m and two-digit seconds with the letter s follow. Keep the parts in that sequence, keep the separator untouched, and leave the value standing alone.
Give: 2h42
